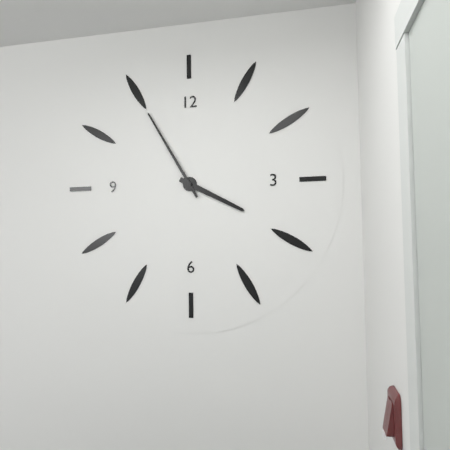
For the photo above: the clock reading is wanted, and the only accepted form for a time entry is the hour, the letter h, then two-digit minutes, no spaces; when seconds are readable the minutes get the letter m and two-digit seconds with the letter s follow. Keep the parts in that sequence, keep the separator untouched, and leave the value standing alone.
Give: 3h55
